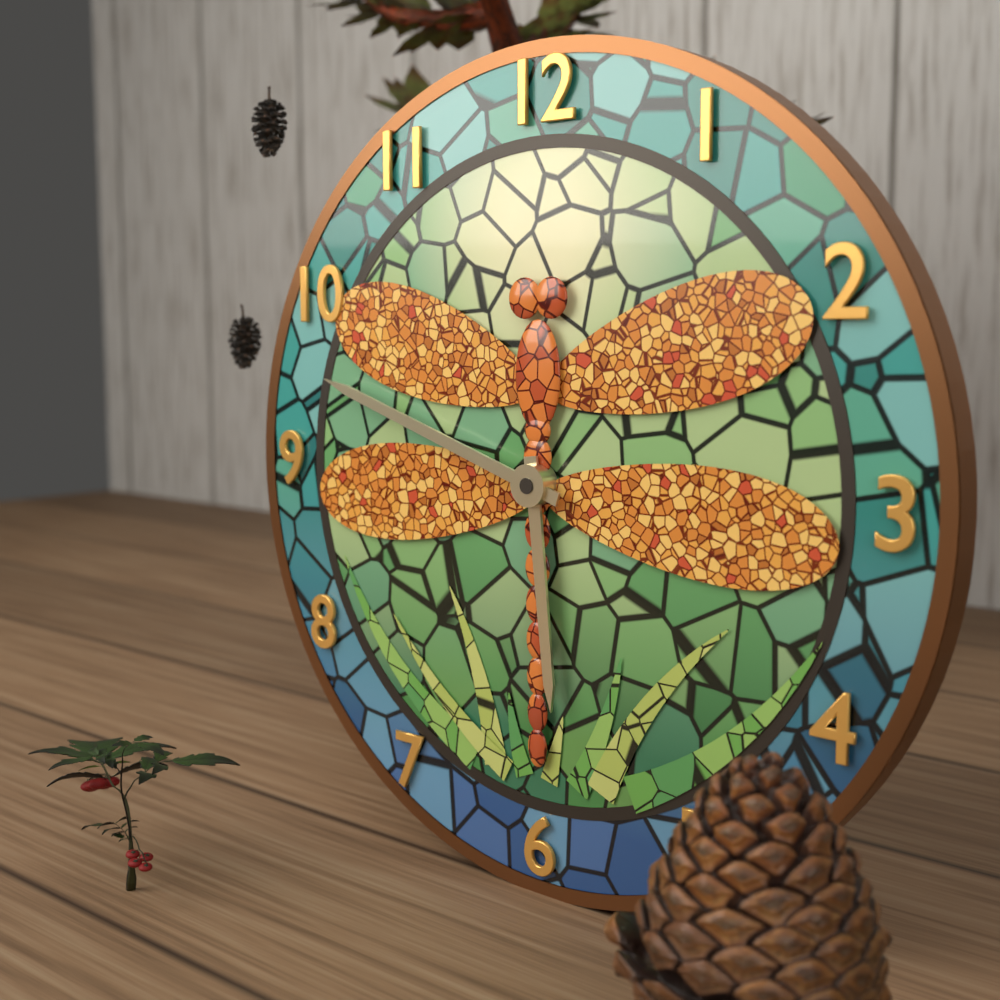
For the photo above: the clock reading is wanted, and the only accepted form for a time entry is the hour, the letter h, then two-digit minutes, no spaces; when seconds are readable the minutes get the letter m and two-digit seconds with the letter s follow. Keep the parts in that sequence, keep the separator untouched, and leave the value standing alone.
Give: 5h48
